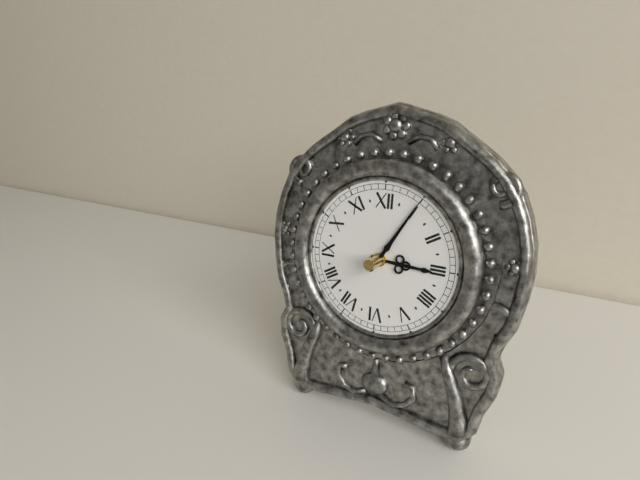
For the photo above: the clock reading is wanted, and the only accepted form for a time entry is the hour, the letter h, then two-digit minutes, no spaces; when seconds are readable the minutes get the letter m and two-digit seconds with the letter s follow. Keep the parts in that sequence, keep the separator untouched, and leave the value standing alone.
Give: 3h05
